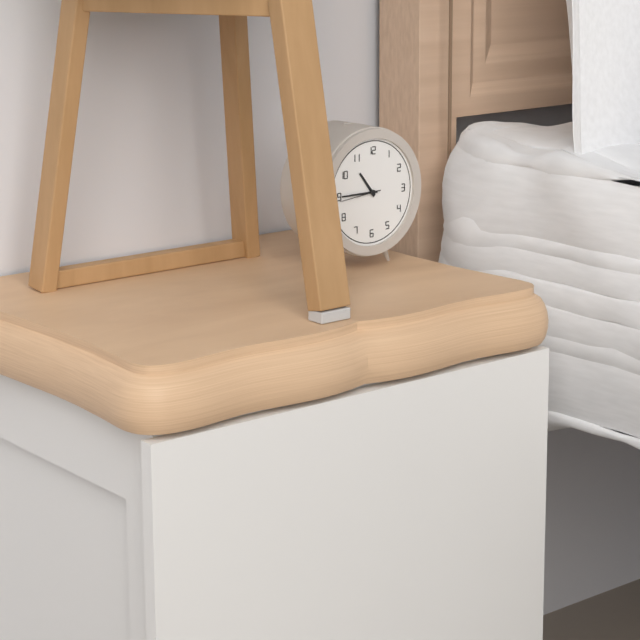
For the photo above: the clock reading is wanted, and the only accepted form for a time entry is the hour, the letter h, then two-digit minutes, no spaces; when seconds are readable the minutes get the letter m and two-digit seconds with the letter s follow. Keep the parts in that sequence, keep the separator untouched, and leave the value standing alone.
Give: 10h45
